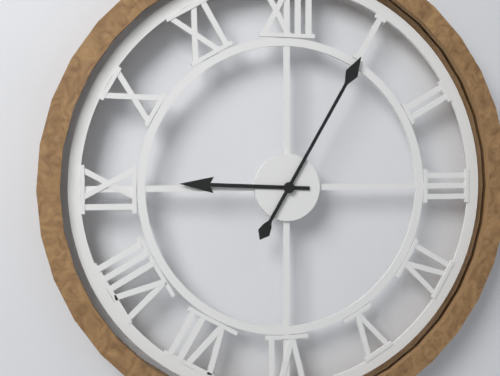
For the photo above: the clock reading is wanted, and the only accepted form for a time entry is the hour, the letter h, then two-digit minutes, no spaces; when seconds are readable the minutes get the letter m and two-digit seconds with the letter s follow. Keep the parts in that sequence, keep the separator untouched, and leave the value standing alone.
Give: 9h05
